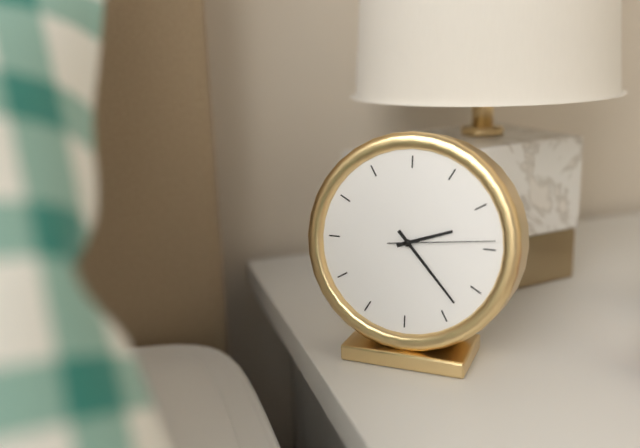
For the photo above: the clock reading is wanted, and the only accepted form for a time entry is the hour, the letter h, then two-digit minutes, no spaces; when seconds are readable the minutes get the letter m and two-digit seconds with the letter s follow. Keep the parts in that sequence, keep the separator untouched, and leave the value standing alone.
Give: 2h23m14s
